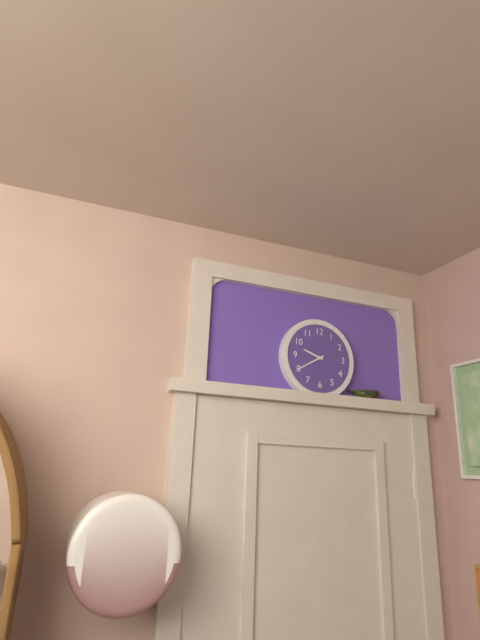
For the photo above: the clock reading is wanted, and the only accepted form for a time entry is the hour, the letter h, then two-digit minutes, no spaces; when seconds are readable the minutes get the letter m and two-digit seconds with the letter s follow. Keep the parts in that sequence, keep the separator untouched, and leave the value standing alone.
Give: 9h40
